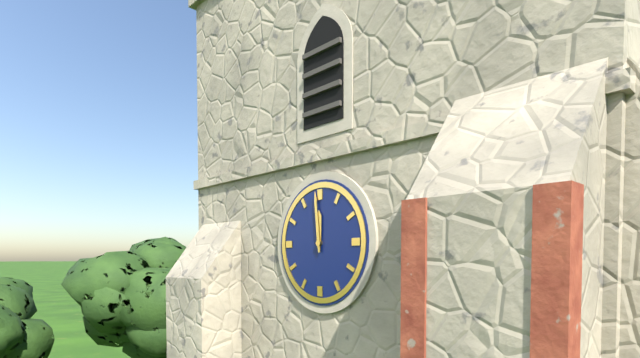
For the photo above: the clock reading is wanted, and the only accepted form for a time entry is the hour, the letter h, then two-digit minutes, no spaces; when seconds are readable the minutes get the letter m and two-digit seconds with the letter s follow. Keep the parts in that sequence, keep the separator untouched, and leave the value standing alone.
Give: 11h59
